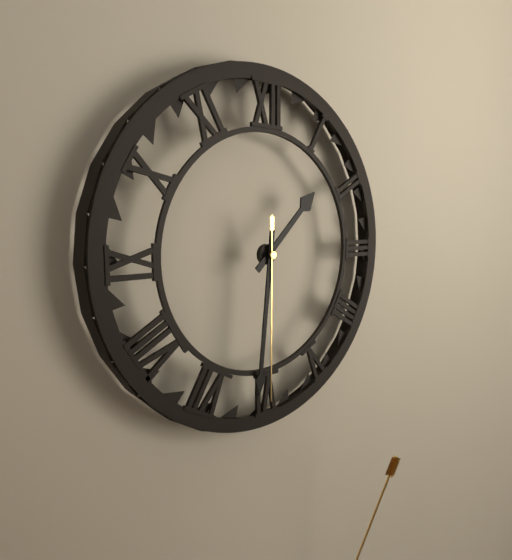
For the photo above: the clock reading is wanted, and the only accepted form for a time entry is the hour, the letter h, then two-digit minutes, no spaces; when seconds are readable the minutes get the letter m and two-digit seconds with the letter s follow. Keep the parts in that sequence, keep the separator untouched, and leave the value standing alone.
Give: 1h31m30s
